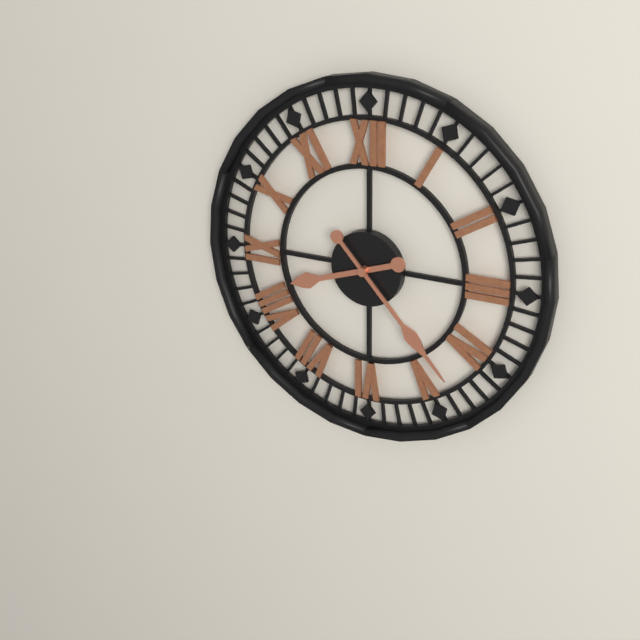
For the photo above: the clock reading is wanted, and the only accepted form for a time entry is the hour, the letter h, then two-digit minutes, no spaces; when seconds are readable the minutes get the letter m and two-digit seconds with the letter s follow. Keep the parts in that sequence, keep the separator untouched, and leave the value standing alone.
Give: 8h23
